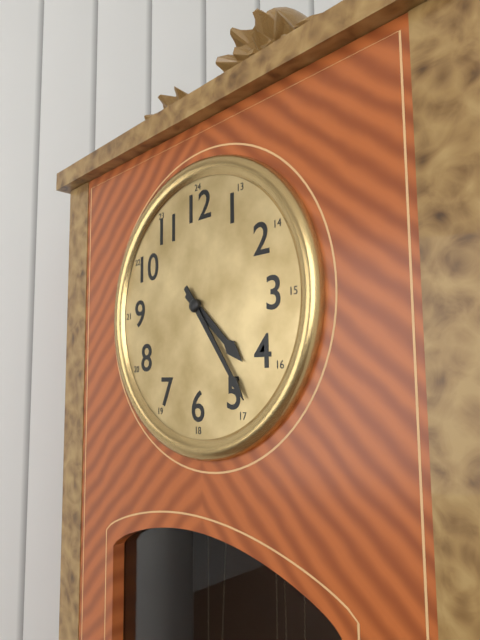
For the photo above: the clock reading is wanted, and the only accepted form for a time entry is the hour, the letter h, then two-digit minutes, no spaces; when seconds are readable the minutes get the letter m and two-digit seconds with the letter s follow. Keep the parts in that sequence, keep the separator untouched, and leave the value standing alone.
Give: 4h24
